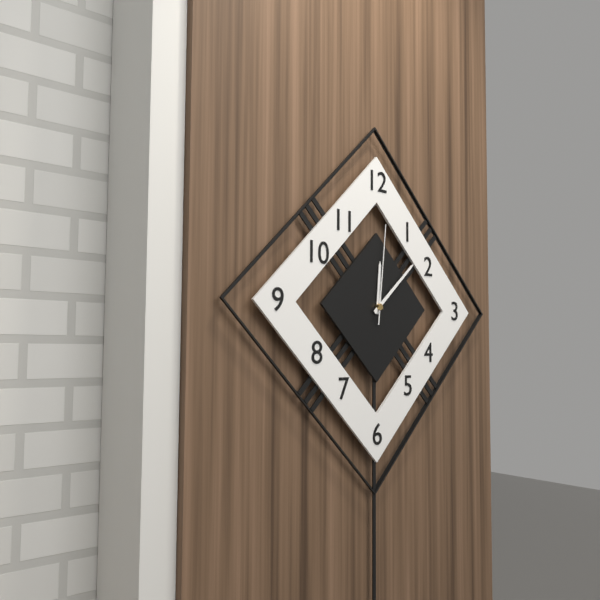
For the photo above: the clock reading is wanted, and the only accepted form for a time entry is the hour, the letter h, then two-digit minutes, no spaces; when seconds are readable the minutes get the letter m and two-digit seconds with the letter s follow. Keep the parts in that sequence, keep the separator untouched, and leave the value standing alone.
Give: 12h08m01s
